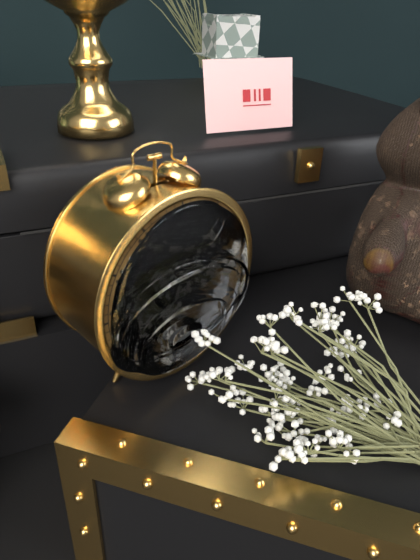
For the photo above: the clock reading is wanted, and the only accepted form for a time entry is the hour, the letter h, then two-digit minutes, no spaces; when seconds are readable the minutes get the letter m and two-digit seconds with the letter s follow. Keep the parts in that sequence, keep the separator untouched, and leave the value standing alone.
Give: 11h14
